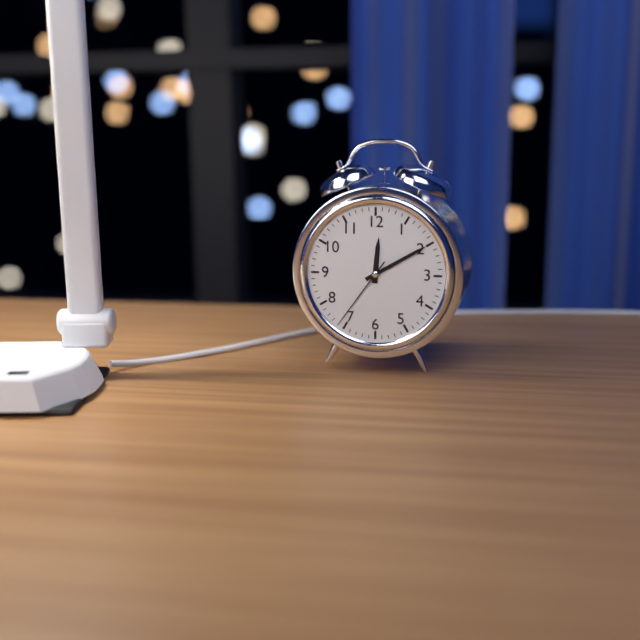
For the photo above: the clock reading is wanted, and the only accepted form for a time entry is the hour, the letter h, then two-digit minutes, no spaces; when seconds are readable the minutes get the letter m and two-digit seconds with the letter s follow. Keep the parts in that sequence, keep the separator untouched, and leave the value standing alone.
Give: 12h10m36s
